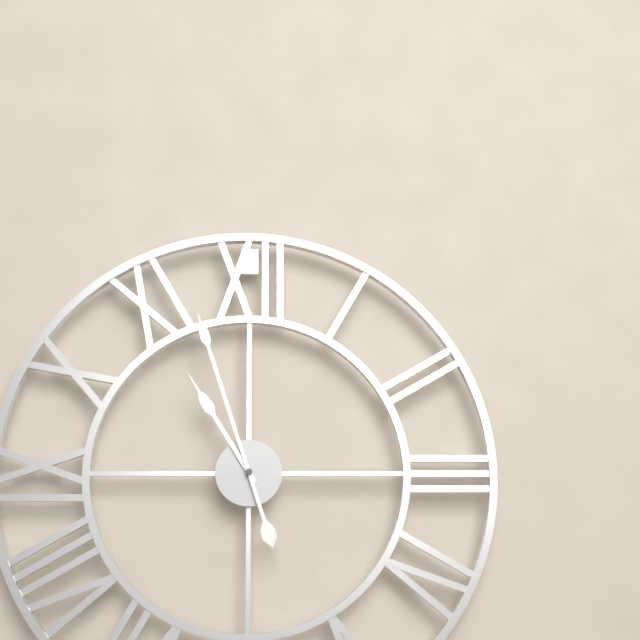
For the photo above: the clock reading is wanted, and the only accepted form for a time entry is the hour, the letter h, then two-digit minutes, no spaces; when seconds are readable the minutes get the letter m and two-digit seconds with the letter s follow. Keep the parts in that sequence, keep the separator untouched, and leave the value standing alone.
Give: 10h57
